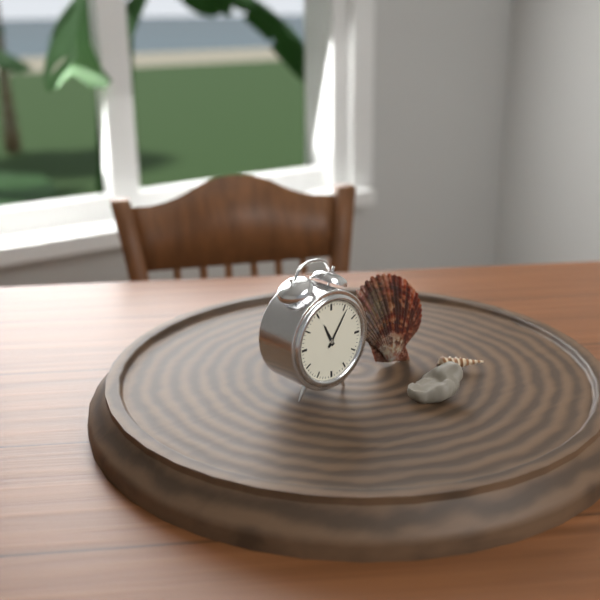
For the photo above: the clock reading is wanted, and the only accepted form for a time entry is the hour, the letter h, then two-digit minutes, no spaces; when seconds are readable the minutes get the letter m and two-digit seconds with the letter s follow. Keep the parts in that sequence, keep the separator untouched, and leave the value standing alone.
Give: 11h06
